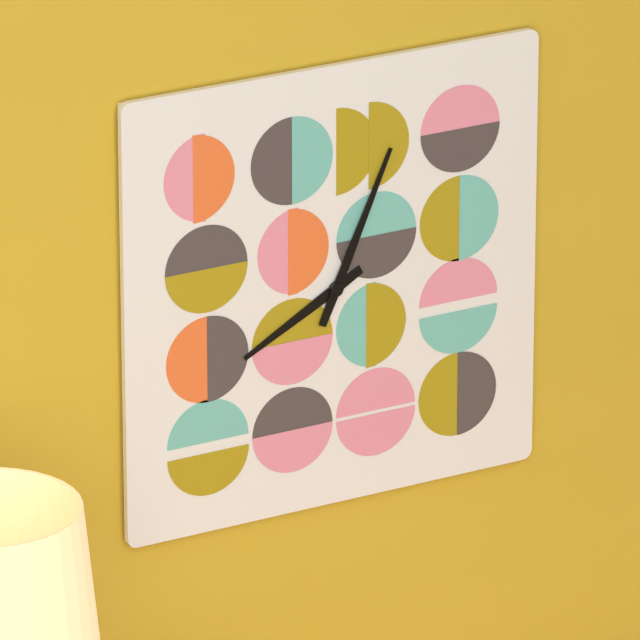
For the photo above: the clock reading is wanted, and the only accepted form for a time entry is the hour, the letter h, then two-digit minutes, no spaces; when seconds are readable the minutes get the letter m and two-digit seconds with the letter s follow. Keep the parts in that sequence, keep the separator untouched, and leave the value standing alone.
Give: 8h04
